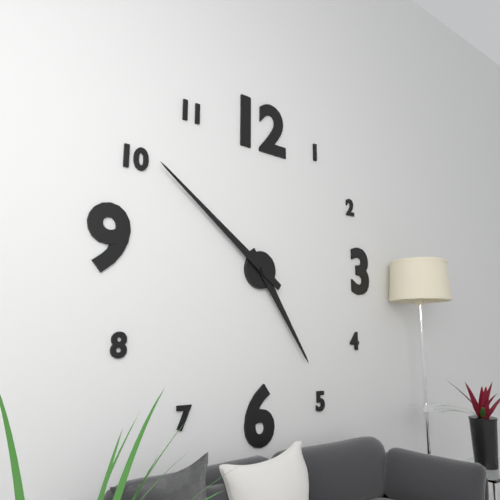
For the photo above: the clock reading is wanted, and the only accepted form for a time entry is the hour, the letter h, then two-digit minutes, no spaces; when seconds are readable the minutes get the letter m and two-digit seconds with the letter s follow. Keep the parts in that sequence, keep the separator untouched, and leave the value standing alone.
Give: 4h51
